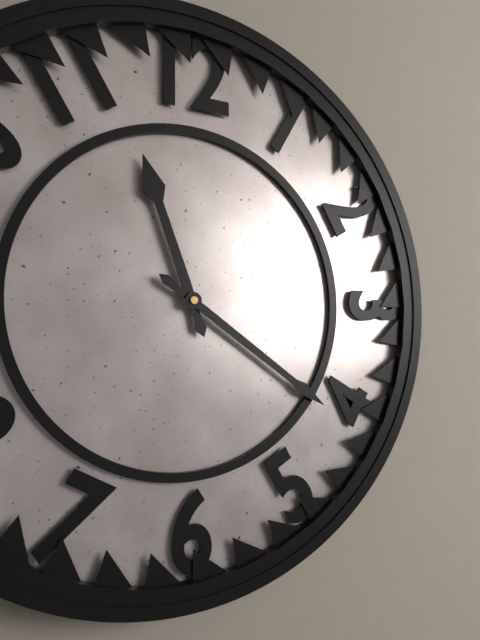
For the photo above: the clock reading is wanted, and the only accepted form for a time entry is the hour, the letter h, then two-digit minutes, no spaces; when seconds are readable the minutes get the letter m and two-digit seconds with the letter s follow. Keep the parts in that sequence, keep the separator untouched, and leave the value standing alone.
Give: 11h21
